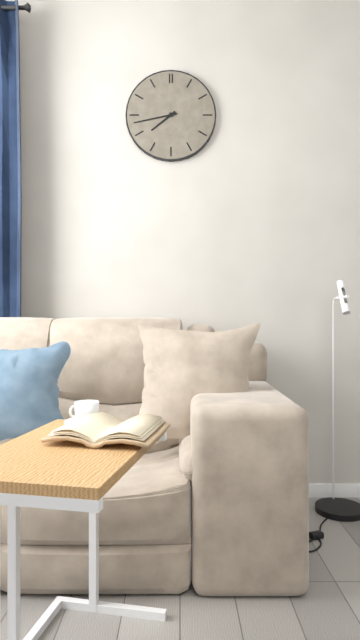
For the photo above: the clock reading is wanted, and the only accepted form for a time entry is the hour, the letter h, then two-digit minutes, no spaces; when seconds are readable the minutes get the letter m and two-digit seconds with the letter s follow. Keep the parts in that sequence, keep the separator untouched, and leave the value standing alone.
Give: 7h43
